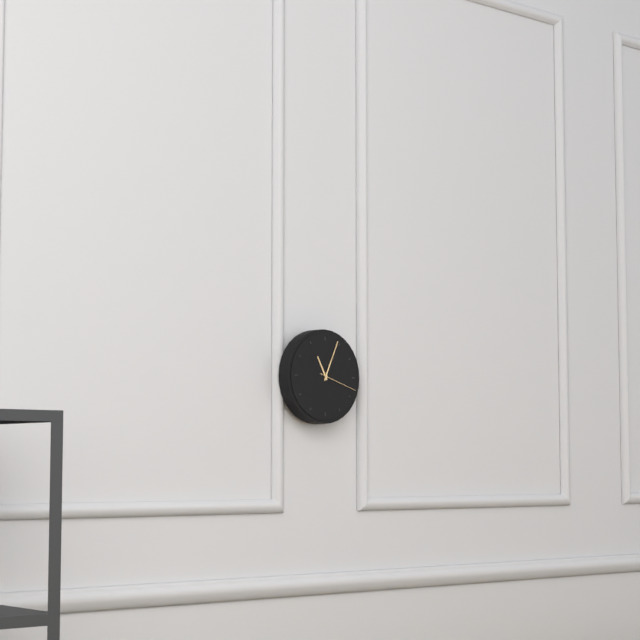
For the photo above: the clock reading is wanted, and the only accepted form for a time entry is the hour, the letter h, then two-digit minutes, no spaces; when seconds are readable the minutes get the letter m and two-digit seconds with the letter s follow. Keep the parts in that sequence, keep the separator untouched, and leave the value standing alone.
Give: 11h04
